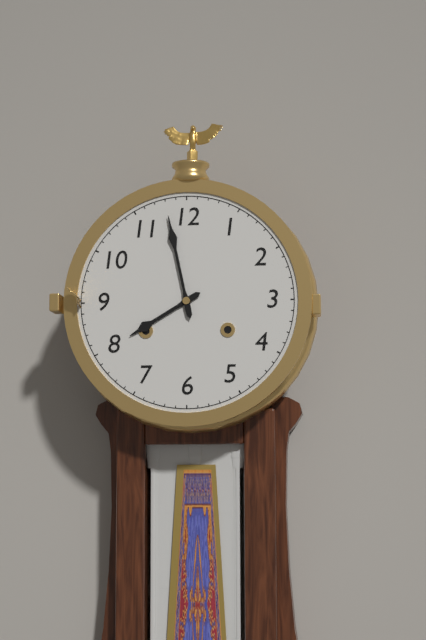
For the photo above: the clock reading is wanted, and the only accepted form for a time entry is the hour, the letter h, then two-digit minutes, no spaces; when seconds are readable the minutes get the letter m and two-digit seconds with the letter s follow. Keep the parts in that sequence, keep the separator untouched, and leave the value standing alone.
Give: 7h58
